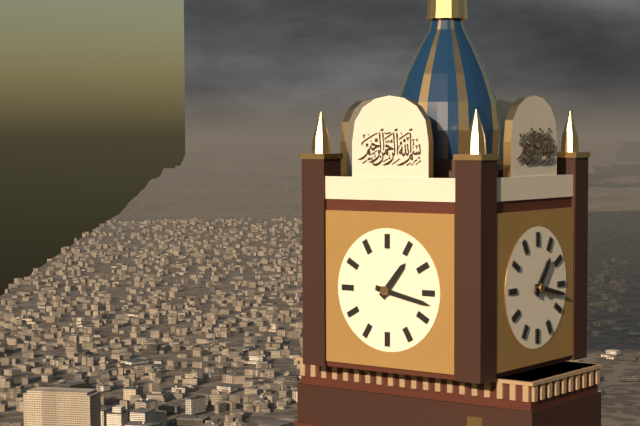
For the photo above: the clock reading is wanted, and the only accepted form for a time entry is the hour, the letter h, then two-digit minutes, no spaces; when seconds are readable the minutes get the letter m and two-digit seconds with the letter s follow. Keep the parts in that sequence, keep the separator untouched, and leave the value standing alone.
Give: 1h17
